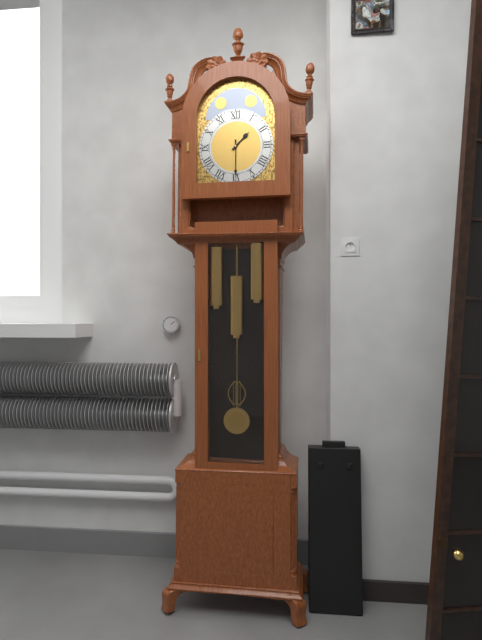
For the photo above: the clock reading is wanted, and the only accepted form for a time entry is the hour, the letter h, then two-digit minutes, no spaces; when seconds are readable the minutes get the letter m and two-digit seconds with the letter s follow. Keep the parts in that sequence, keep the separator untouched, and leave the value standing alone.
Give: 1h30
